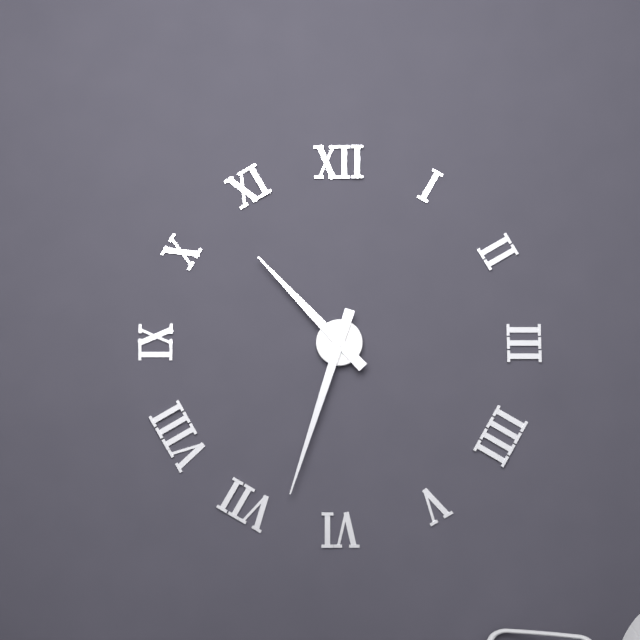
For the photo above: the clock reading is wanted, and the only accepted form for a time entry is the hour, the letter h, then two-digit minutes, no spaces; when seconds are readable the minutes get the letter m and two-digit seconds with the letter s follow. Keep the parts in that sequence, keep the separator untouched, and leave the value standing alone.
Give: 10h33
